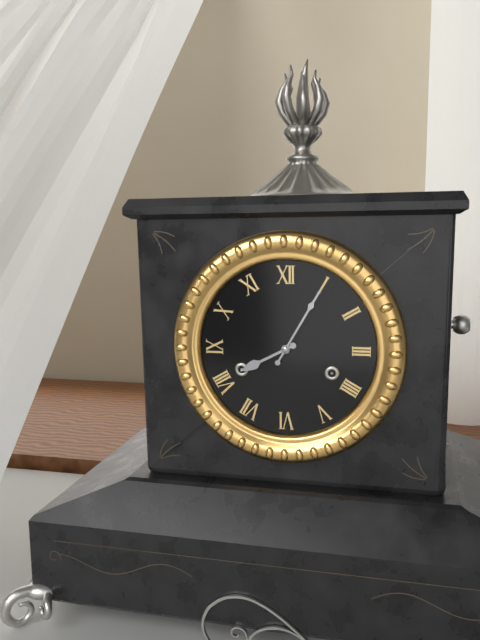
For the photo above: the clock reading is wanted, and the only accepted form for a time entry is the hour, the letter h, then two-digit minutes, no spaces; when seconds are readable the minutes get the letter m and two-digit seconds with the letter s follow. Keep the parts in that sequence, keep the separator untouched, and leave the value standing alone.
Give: 8h05
